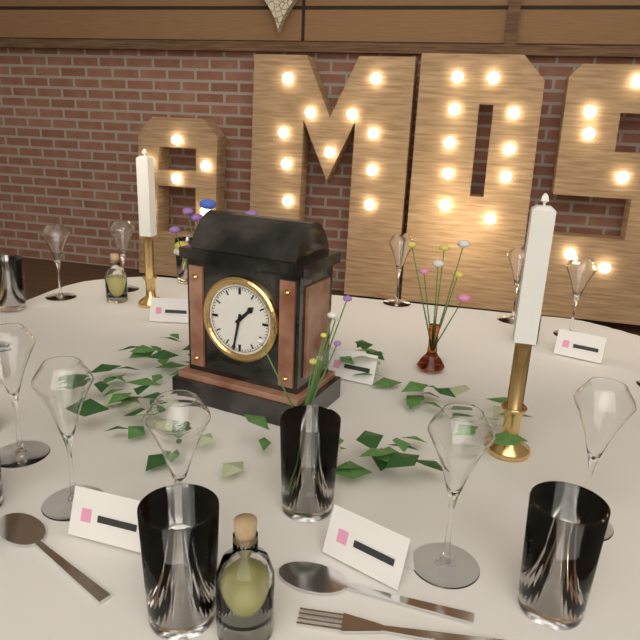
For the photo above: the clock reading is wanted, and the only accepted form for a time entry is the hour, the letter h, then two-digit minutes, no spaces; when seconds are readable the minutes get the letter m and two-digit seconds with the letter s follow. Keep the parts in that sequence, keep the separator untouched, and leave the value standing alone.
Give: 1h32
